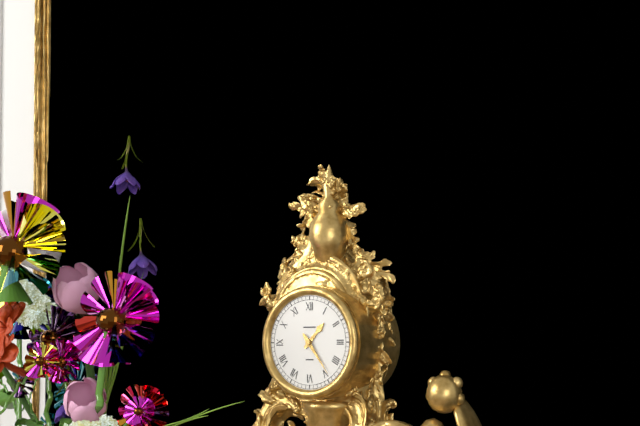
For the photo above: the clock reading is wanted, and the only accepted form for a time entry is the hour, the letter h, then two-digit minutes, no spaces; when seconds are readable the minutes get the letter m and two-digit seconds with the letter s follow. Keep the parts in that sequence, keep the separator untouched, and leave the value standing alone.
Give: 1h24
